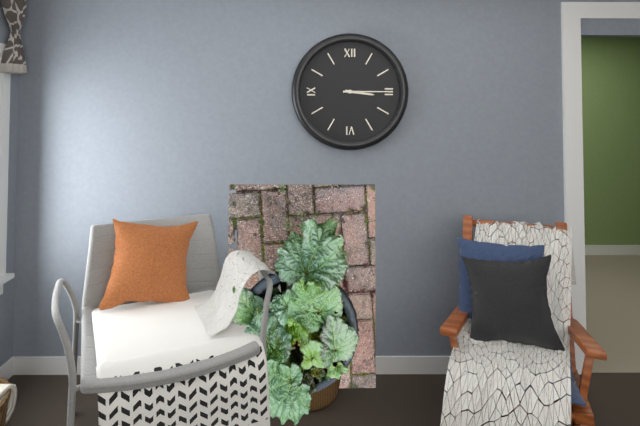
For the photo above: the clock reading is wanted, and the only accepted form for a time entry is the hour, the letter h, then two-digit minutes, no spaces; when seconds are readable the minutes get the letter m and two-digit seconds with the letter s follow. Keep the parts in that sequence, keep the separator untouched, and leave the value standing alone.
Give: 3h15
